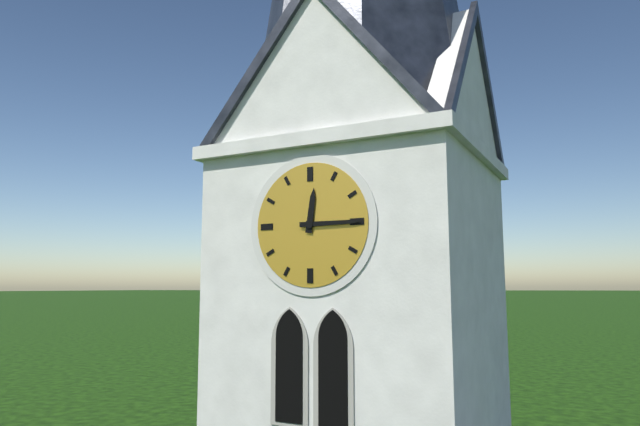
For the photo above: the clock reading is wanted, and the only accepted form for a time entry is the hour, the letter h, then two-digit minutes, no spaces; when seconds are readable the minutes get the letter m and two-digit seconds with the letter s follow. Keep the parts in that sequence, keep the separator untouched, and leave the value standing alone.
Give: 12h15
